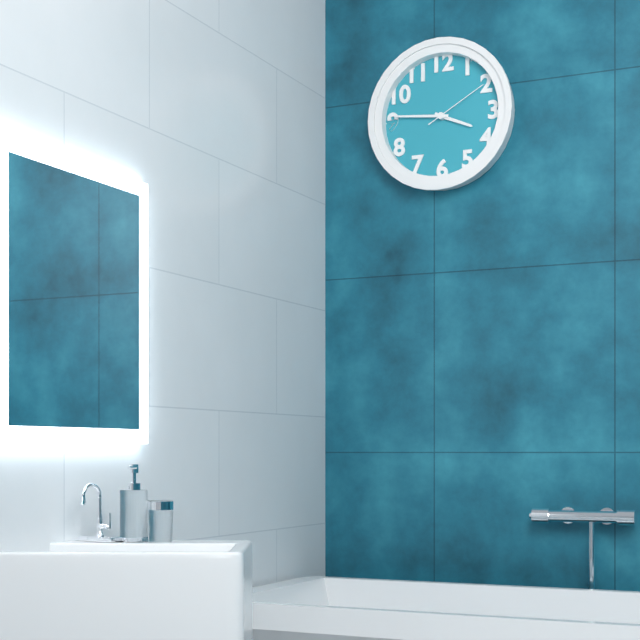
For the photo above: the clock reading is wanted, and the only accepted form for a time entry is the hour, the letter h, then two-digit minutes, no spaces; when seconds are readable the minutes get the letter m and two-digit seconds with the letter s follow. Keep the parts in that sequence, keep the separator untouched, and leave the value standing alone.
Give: 3h46m10s
